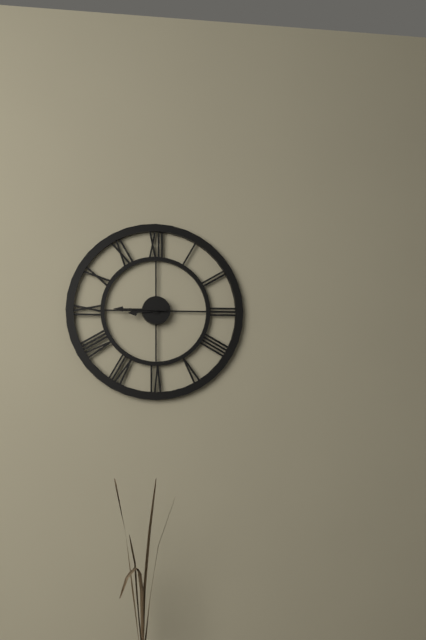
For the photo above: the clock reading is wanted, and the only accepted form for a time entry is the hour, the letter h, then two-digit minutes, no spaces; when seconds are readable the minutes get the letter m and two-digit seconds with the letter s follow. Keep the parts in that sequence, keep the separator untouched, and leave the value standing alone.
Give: 8h45
